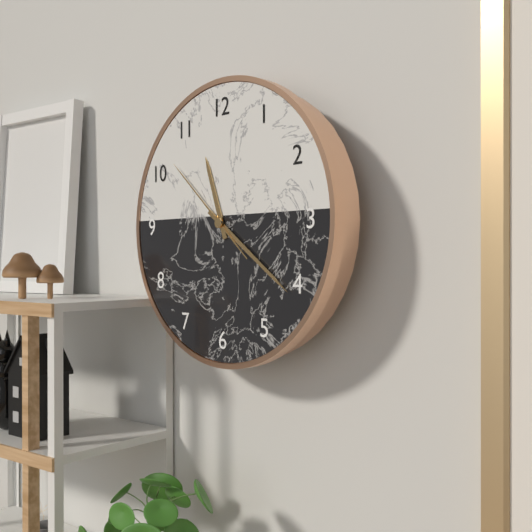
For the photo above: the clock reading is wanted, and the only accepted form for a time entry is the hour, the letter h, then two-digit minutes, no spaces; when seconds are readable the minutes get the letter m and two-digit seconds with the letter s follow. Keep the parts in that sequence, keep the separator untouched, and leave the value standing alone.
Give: 11h21m52s
